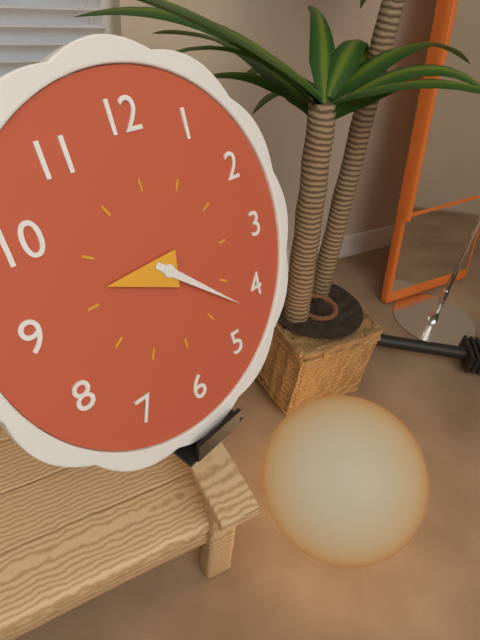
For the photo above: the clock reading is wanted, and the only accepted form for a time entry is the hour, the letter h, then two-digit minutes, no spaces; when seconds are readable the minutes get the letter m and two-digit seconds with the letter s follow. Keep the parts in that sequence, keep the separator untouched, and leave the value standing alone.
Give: 9h22
